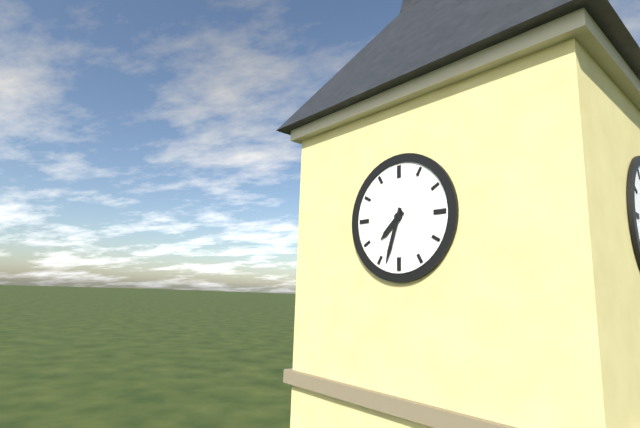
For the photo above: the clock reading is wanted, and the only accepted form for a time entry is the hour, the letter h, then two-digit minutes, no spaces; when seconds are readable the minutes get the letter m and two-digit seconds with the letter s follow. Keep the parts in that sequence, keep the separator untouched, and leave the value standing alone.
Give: 7h33
